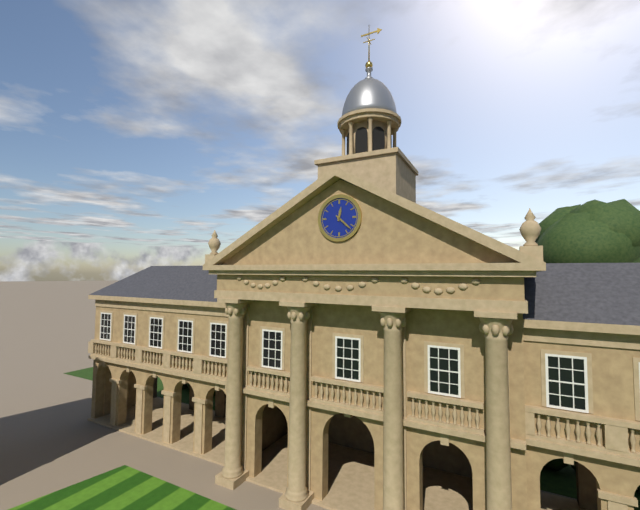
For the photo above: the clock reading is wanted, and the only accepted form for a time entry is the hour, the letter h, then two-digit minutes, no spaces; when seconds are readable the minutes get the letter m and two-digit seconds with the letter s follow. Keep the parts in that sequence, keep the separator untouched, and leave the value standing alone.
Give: 12h22
